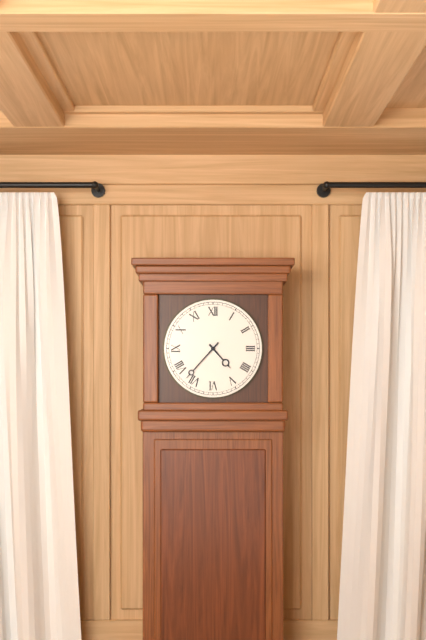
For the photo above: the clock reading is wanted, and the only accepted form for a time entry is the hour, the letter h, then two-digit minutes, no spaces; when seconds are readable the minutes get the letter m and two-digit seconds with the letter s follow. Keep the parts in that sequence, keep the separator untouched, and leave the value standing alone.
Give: 4h37
